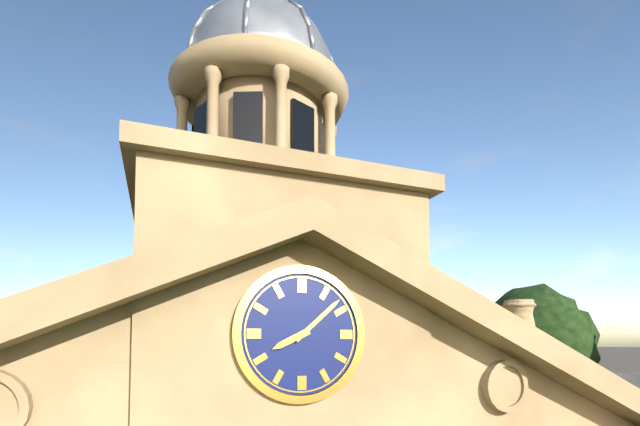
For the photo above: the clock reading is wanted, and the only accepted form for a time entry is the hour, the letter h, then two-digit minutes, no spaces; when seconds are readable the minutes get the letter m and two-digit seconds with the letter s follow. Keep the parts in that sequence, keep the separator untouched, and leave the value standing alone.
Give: 8h08
